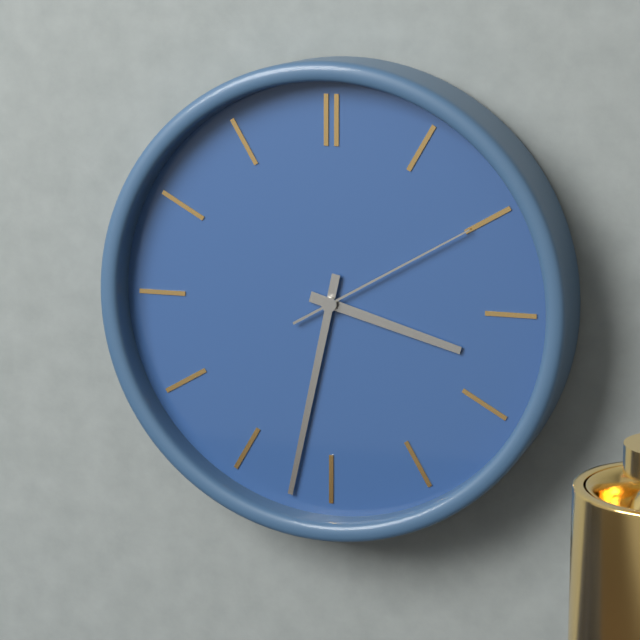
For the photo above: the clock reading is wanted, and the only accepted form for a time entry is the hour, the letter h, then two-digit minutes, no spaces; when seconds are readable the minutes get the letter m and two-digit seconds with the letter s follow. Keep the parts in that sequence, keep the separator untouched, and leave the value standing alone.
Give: 3h32m10s
